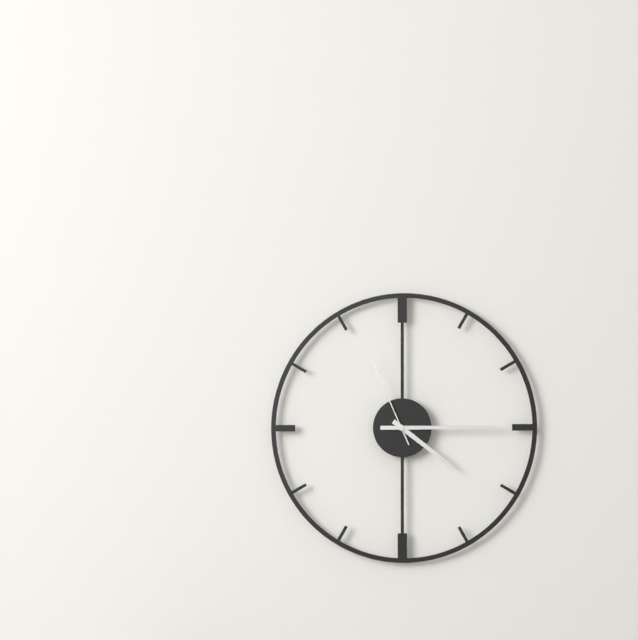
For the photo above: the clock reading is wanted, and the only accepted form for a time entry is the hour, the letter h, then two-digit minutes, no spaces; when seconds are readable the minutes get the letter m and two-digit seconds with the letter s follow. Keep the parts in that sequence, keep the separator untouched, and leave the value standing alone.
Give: 4h15m56s
